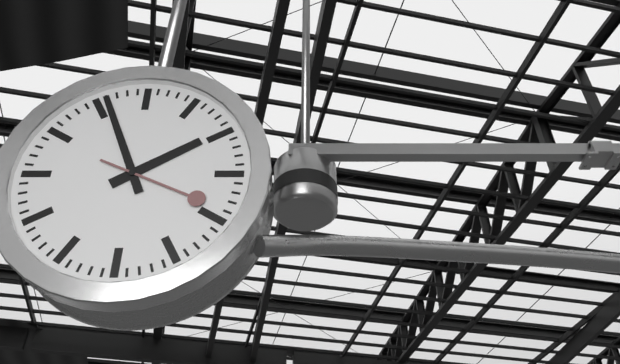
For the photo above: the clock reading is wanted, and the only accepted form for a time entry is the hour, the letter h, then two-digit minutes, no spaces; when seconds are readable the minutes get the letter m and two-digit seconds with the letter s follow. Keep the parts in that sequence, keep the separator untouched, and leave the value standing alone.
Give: 1h56m19s
